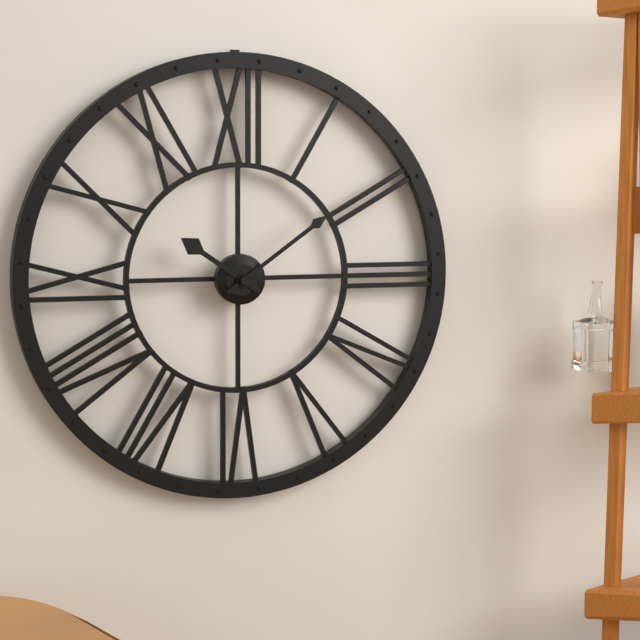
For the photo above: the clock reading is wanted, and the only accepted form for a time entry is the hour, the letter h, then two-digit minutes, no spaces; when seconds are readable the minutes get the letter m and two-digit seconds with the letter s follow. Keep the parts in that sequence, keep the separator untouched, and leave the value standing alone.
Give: 10h09
